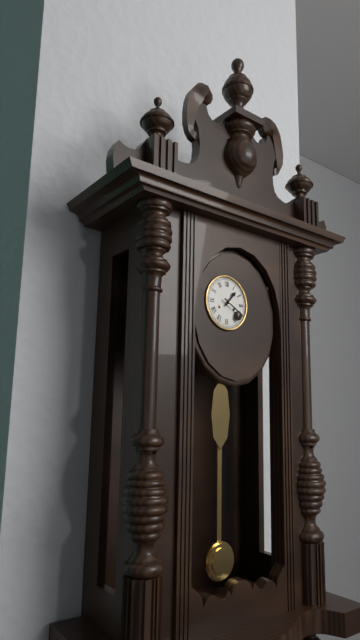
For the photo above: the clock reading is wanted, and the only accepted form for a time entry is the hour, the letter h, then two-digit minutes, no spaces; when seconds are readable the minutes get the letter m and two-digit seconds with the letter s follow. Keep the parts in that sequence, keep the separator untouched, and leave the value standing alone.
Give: 1h20
